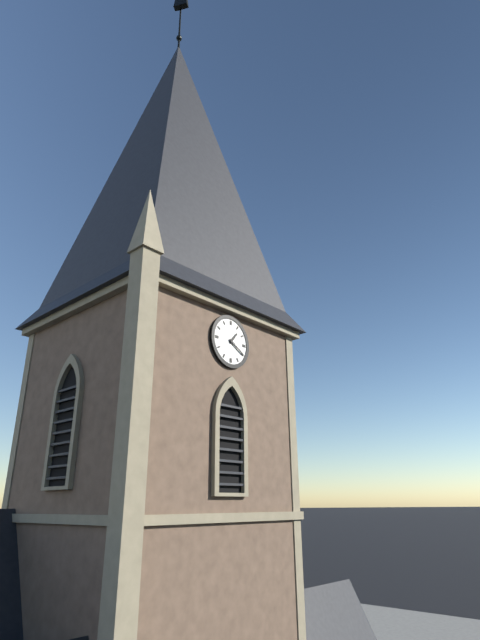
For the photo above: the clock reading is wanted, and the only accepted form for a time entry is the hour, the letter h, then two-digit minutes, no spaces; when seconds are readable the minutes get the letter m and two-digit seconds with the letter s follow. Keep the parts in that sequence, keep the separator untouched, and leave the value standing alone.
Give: 1h20
